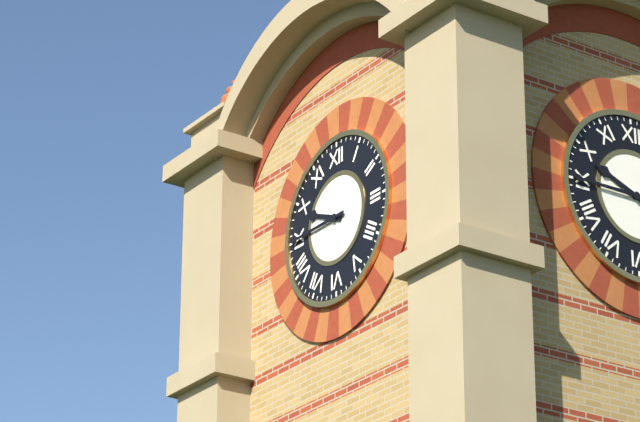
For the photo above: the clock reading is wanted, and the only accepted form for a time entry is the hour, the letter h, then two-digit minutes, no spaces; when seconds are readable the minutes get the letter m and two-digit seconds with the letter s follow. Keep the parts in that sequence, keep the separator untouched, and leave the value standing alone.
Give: 9h45
